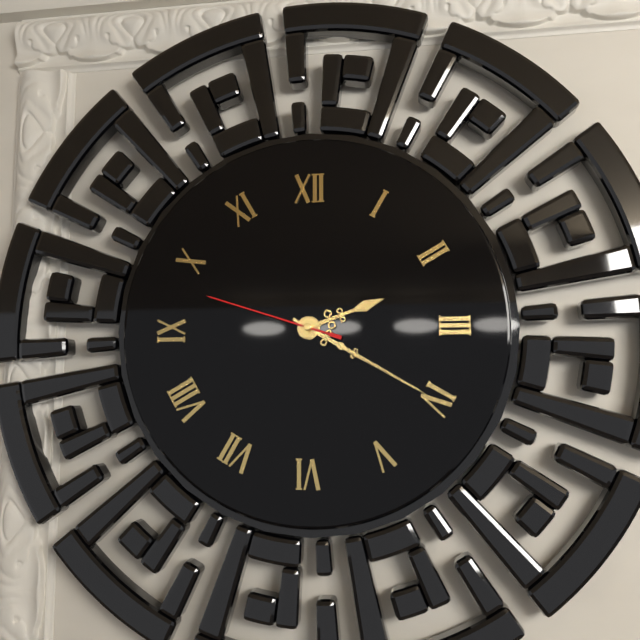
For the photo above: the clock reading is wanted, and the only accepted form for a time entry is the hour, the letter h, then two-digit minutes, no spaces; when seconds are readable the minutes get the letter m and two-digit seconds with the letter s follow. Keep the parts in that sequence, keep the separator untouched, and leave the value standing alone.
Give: 2h20m48s
